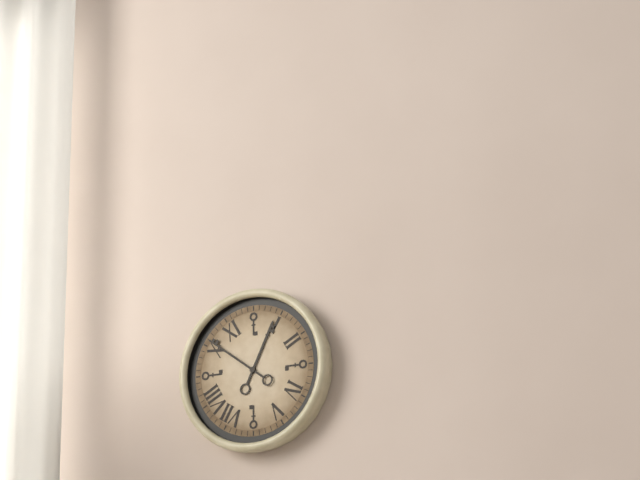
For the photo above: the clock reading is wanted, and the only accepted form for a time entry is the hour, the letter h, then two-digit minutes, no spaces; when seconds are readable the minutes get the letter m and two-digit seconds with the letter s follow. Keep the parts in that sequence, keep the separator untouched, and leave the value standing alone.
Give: 12h51
